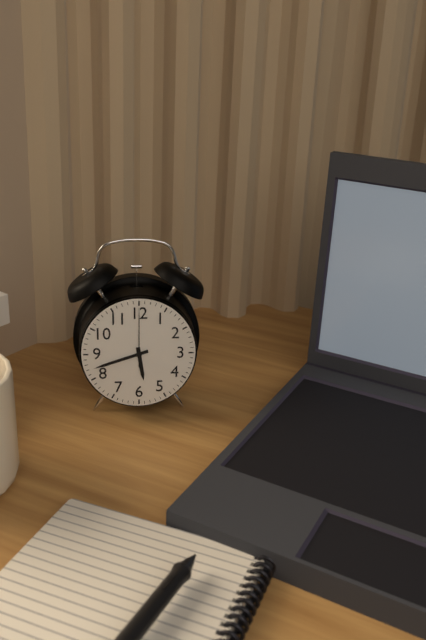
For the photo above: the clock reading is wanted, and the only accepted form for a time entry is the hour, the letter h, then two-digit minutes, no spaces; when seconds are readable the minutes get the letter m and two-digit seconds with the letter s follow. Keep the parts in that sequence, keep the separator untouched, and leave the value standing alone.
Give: 5h42m00s
